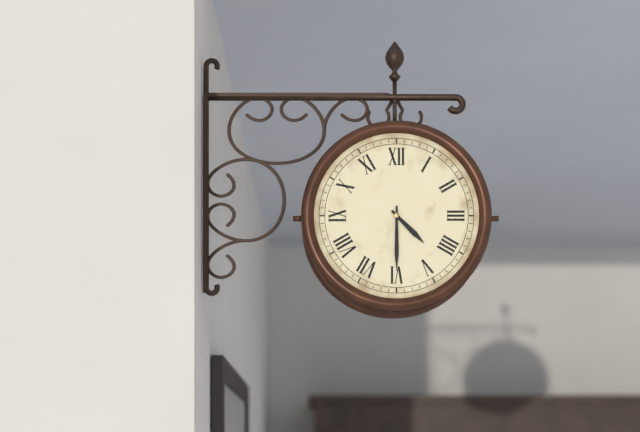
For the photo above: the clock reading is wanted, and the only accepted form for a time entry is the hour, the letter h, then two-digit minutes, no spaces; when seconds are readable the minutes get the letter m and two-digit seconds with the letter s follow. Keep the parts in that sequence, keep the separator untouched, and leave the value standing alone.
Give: 4h30
